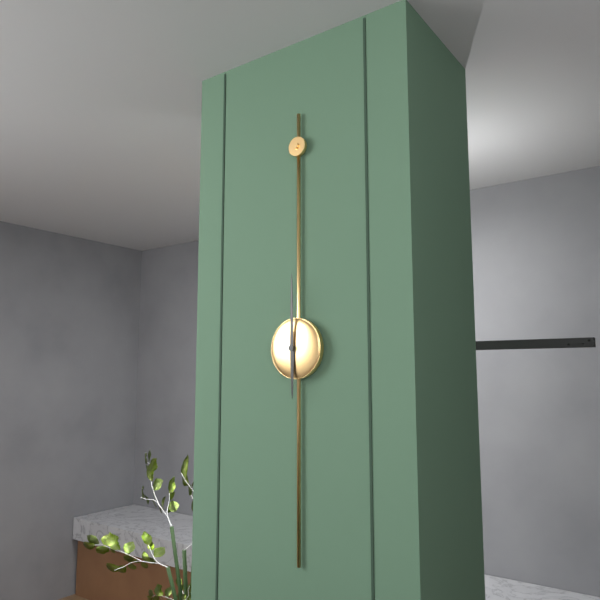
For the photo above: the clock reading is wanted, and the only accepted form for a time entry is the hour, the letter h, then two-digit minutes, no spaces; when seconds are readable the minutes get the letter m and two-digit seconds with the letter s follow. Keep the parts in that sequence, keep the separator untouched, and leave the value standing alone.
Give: 6h00
